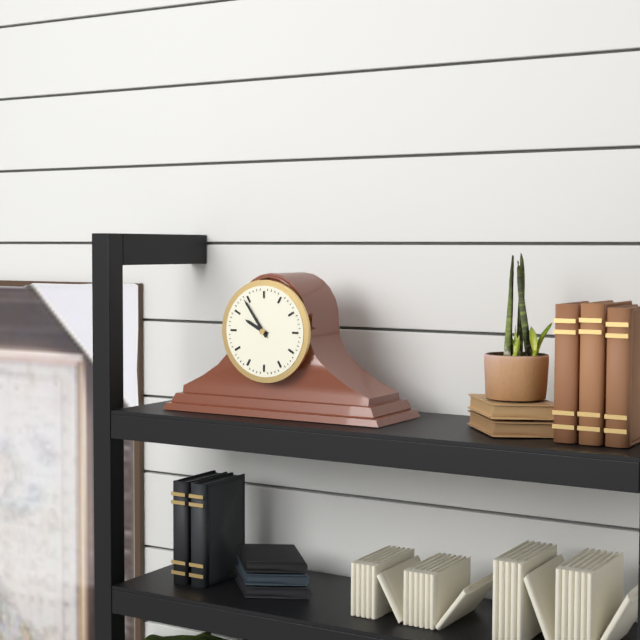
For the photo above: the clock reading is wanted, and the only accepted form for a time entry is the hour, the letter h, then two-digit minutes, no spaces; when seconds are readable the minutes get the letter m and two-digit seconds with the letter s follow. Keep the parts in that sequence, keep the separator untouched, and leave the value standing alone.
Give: 9h54
